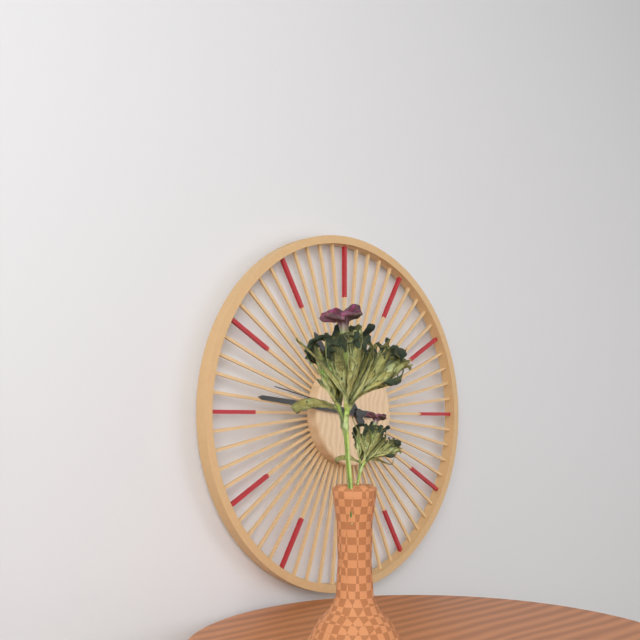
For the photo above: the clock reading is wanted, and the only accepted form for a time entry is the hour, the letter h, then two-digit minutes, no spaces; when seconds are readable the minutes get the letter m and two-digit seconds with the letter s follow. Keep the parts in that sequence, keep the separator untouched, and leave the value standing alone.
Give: 10h46m47s
